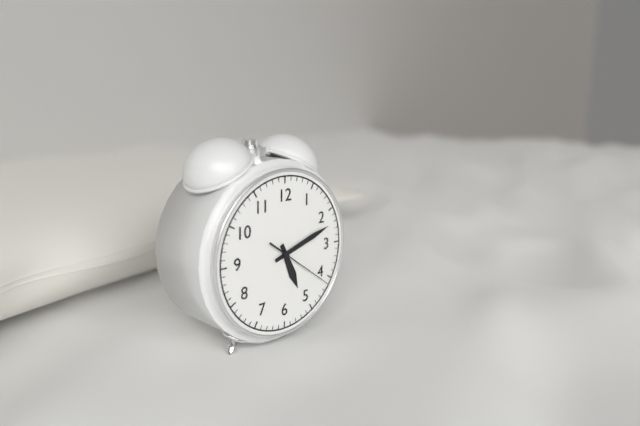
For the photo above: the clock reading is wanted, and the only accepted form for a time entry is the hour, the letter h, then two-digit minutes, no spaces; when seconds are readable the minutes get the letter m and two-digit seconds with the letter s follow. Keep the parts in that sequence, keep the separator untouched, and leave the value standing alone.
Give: 5h12m21s
